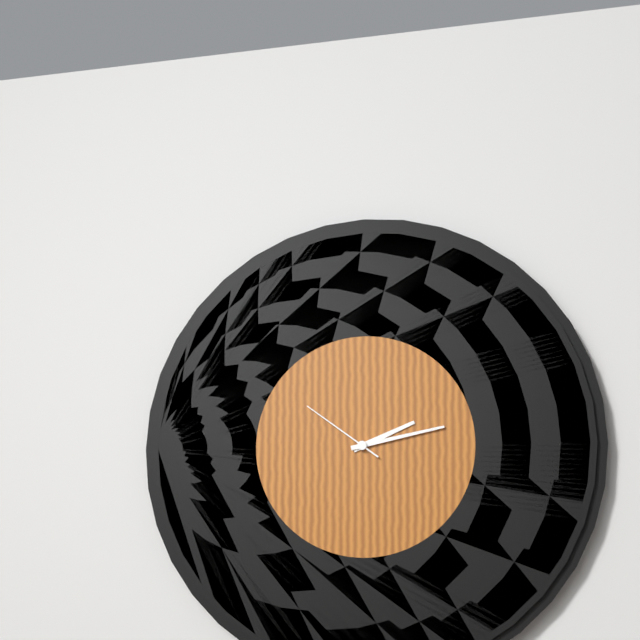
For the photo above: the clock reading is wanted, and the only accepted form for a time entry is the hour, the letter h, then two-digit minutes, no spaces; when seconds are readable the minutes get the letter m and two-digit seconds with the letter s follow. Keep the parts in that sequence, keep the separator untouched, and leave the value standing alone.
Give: 2h13m51s
